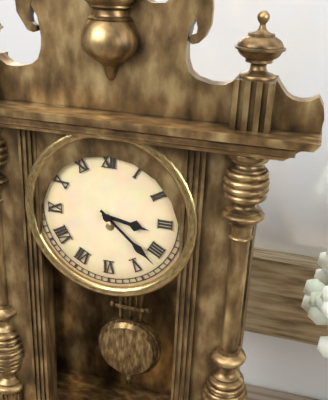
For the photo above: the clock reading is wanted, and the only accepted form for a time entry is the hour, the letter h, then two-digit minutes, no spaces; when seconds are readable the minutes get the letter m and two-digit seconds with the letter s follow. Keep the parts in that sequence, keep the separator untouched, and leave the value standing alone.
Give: 3h22
